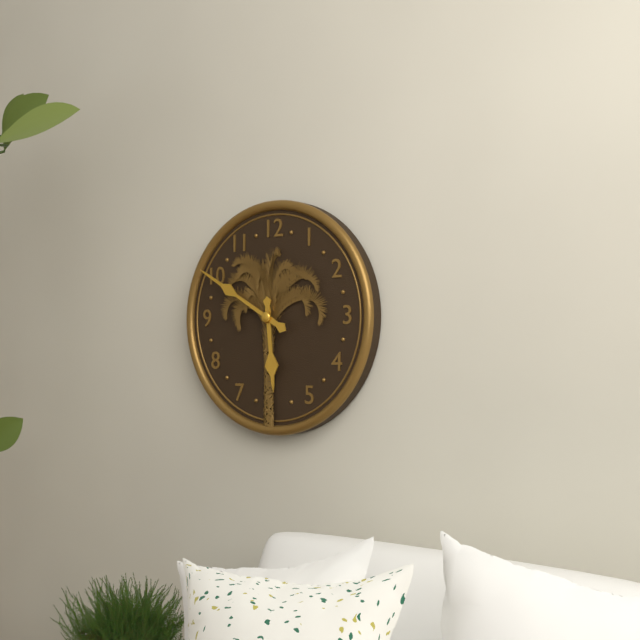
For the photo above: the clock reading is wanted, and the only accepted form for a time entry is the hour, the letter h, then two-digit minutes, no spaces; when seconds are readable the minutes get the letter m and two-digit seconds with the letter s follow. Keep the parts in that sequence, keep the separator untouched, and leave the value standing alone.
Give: 5h50
